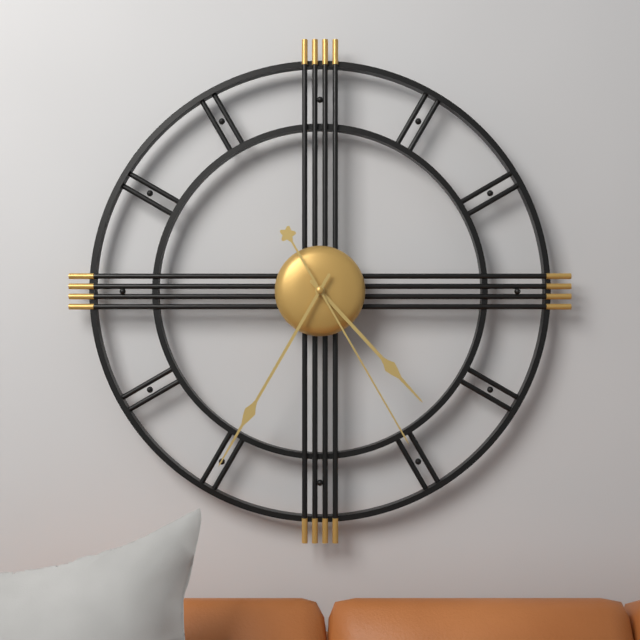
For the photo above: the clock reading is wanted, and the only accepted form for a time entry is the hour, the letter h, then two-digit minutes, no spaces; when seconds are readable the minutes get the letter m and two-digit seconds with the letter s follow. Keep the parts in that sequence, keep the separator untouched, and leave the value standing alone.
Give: 4h35m25s
